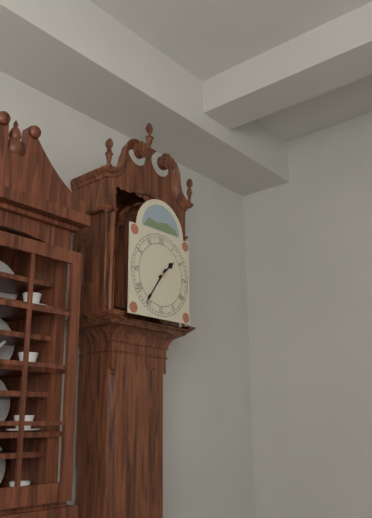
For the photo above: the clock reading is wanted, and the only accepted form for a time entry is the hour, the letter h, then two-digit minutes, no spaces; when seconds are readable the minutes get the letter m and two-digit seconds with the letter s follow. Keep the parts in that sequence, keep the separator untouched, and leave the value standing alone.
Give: 1h36
